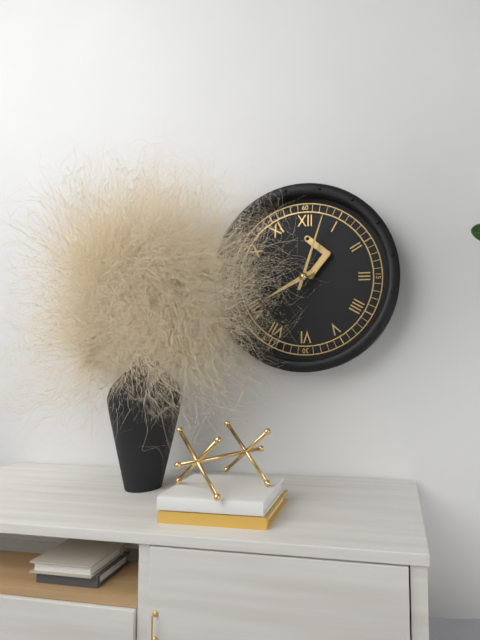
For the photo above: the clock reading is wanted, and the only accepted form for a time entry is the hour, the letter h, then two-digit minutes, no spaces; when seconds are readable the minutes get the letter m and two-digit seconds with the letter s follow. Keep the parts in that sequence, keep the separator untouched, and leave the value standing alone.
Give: 8h03
